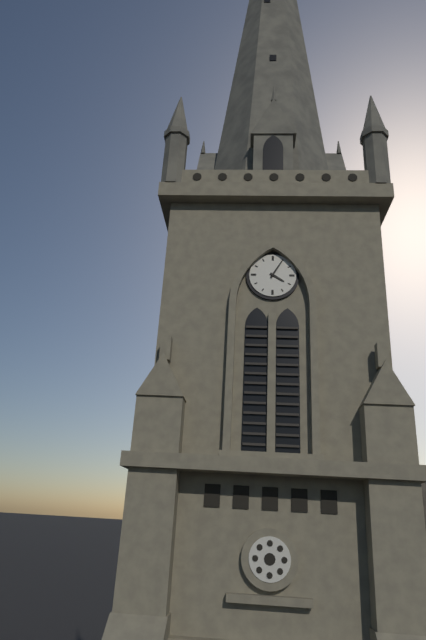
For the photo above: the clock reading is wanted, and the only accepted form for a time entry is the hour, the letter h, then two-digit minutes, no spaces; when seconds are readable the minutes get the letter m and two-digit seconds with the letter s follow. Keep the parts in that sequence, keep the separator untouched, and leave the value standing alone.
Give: 4h05
